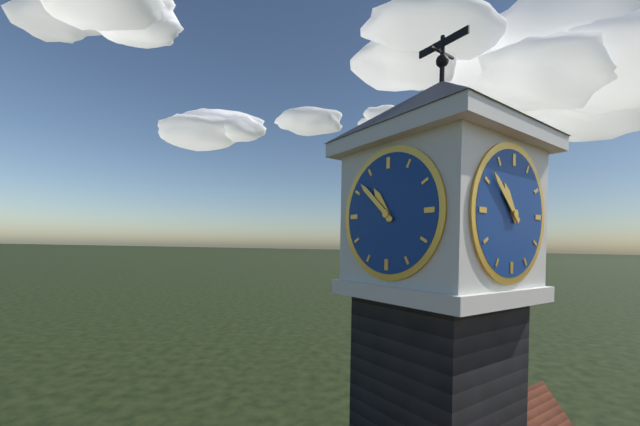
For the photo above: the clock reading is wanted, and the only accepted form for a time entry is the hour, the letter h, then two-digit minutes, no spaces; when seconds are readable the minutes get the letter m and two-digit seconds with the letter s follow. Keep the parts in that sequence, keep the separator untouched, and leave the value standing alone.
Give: 10h52
